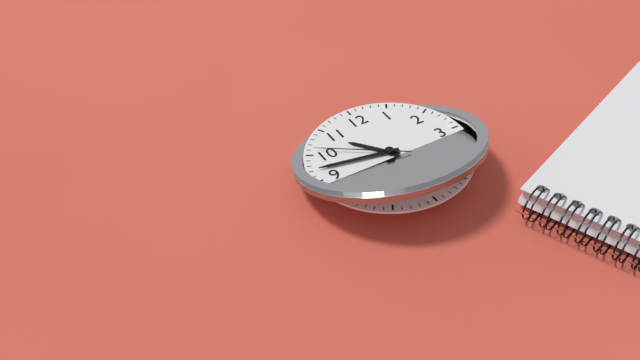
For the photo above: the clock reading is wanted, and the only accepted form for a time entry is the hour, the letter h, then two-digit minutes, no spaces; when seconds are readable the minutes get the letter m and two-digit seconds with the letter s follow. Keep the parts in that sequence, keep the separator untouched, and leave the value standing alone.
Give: 10h47m51s
